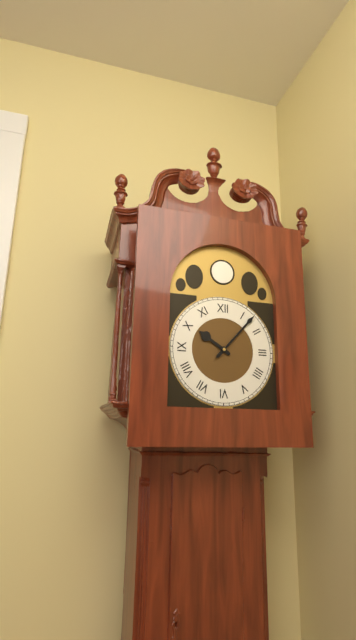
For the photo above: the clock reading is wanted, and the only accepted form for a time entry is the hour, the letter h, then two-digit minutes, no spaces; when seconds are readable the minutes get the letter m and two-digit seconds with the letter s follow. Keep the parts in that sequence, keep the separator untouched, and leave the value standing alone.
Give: 10h07
